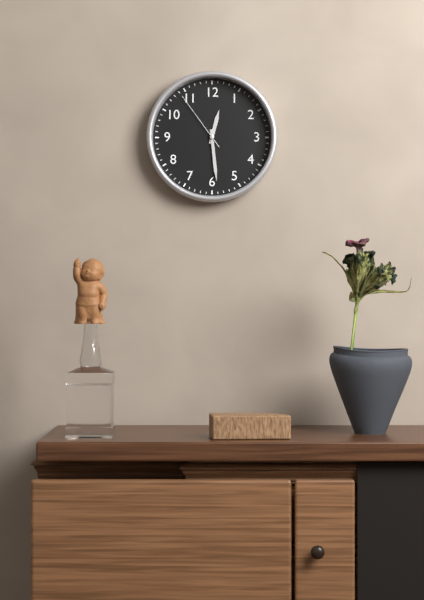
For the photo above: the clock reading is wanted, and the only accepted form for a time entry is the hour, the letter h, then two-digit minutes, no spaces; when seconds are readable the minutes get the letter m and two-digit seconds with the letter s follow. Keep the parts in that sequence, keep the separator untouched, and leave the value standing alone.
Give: 12h29m54s
